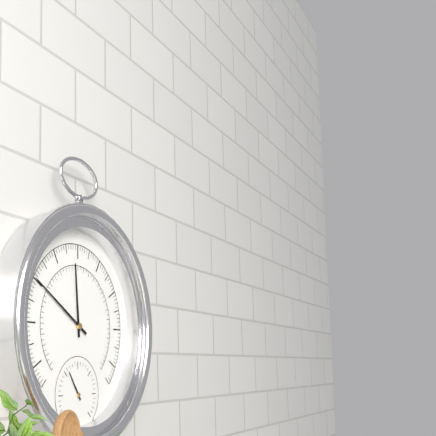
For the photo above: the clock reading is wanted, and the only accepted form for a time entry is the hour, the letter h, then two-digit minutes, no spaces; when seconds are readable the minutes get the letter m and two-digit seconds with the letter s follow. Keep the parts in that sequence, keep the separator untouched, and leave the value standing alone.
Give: 11h50
